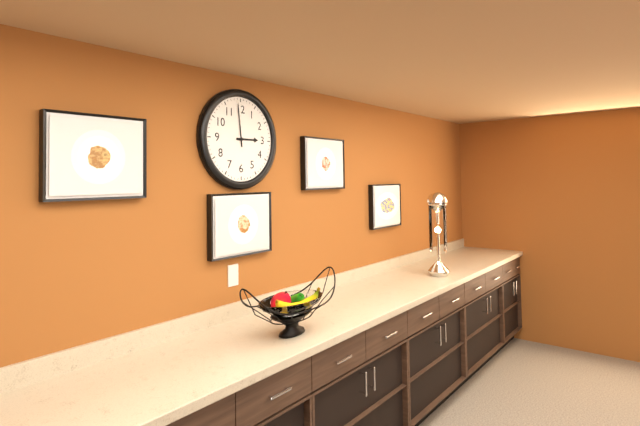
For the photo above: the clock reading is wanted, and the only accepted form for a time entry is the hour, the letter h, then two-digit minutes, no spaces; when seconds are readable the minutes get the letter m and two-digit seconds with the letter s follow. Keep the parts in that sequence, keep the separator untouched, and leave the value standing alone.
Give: 2h59
